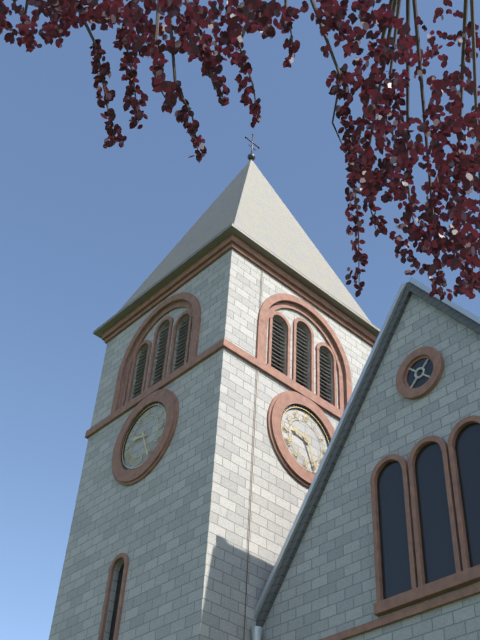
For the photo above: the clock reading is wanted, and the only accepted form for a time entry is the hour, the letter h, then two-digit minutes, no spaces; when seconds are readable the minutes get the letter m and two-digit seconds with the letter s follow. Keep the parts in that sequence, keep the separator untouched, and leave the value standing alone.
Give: 9h26
